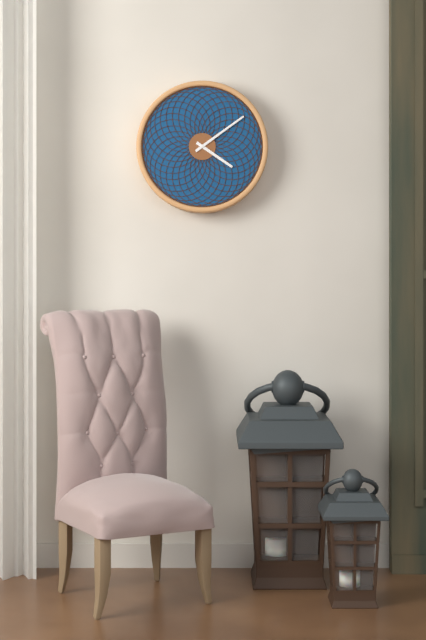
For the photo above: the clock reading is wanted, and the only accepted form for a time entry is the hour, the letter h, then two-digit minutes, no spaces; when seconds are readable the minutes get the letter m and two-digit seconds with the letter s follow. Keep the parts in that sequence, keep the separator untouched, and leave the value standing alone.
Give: 4h09
